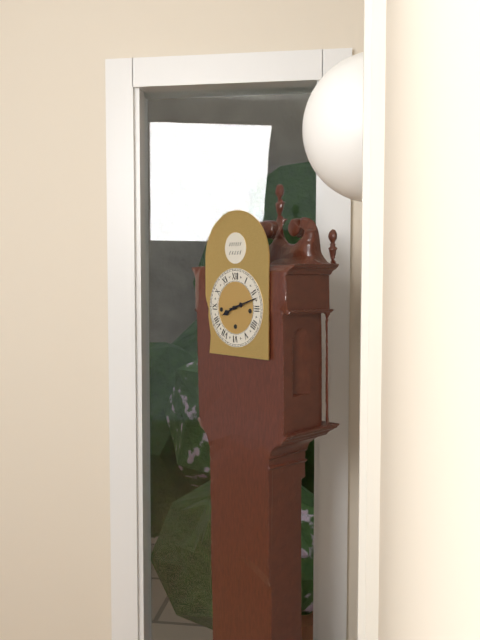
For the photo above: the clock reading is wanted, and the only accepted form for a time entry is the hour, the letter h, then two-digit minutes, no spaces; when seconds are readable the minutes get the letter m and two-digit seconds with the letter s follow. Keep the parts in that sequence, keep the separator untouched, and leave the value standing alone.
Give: 8h12
